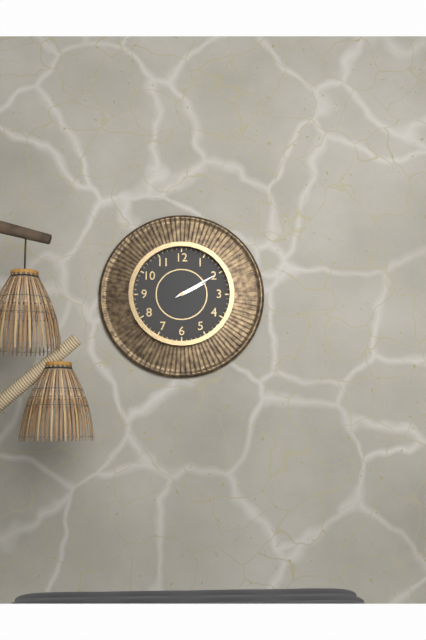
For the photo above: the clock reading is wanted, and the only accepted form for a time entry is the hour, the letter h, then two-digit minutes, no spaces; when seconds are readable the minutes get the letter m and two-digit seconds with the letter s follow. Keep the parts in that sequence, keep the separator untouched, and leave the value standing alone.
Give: 2h10
